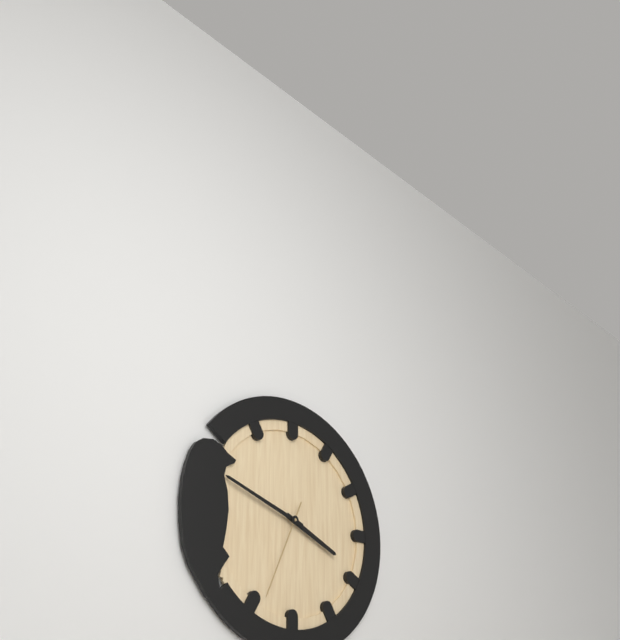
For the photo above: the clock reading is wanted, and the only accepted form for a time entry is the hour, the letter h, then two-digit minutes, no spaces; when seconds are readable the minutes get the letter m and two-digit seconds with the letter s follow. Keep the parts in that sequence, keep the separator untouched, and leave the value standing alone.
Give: 3h48m34s
